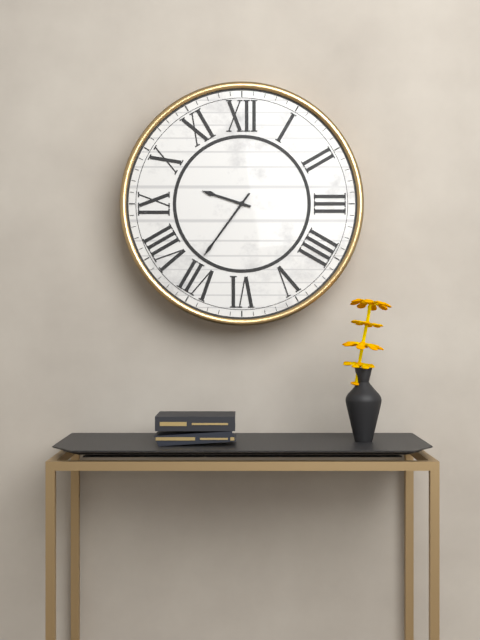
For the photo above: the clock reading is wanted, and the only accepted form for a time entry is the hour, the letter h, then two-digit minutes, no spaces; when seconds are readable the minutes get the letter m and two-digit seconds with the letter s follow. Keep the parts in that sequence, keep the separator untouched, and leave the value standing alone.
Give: 9h36
